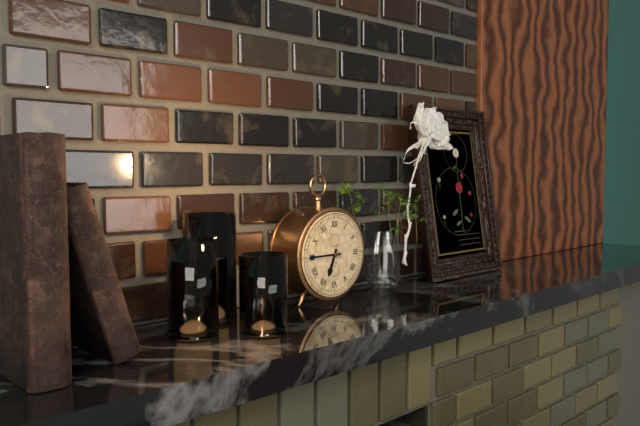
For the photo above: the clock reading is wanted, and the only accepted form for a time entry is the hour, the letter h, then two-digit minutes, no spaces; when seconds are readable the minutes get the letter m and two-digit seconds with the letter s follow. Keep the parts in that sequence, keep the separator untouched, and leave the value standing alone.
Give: 6h45
